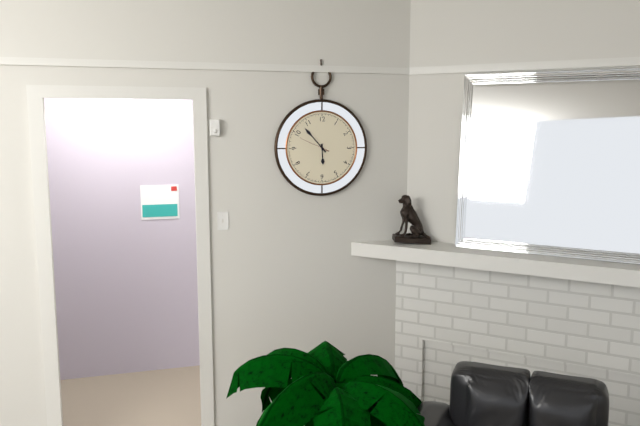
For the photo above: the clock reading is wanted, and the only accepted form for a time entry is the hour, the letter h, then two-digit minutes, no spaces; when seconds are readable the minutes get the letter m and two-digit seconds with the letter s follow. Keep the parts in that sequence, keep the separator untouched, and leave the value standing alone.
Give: 5h53
